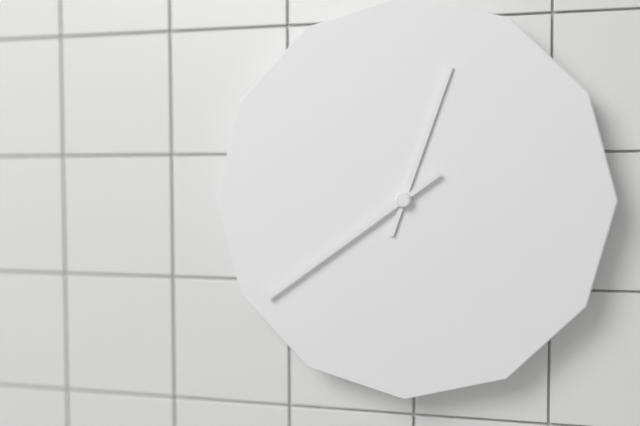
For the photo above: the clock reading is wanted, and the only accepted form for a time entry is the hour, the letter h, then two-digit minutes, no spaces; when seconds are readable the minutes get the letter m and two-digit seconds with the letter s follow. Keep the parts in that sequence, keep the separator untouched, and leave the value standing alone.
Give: 12h39
